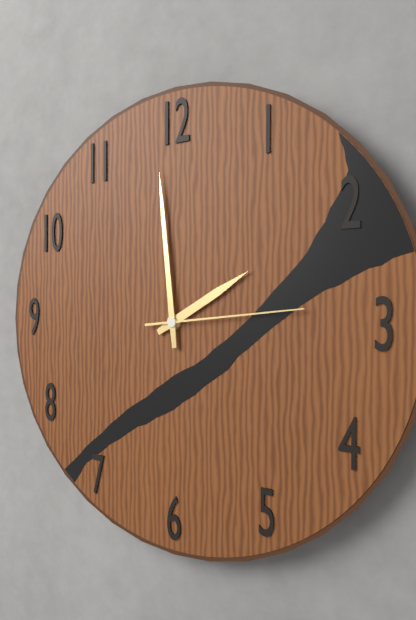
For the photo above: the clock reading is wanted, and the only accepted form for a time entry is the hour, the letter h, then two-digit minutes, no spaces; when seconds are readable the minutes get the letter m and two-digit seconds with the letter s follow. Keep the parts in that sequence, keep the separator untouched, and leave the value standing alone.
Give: 1h59m14s
